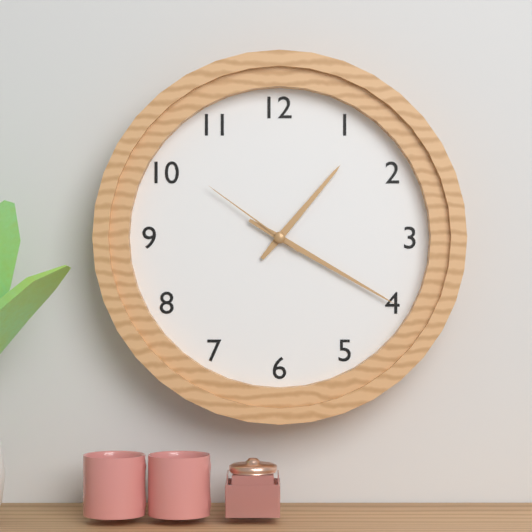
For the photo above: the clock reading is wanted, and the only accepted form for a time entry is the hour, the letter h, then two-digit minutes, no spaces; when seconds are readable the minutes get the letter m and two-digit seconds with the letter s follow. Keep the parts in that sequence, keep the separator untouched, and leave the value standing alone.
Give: 1h20m51s
